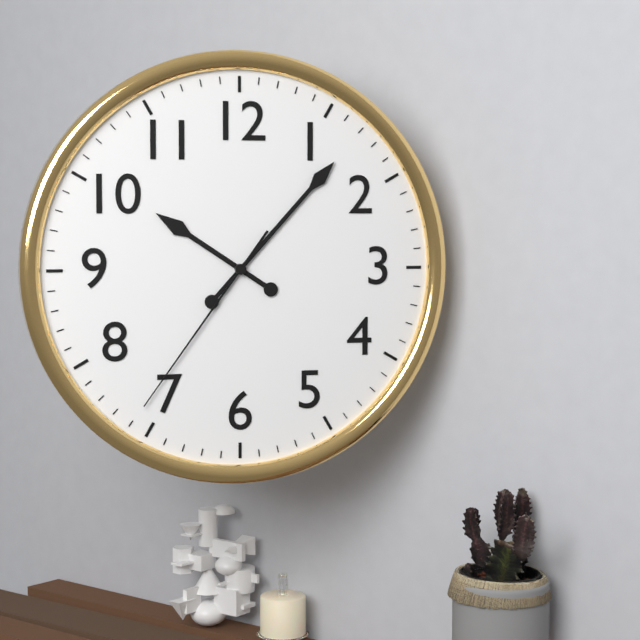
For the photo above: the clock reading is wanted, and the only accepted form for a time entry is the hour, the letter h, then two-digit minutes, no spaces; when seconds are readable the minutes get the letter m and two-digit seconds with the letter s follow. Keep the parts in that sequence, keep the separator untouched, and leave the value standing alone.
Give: 10h07m36s
